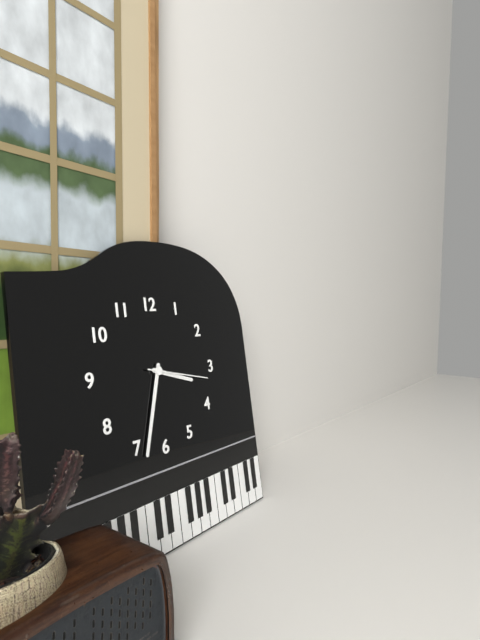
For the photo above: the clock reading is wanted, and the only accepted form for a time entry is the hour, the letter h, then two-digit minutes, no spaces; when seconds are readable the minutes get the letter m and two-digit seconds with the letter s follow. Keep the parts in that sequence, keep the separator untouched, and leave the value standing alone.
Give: 3h33m17s
